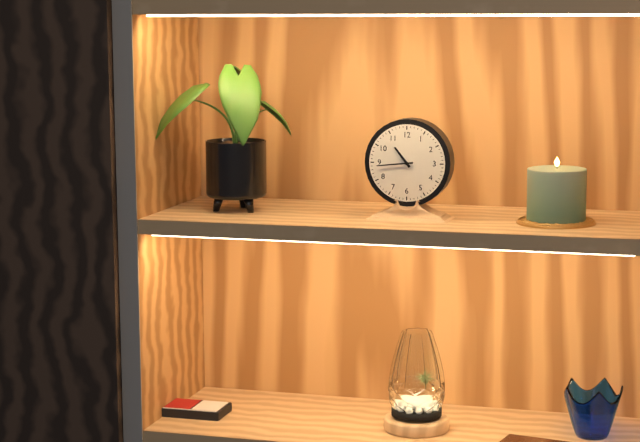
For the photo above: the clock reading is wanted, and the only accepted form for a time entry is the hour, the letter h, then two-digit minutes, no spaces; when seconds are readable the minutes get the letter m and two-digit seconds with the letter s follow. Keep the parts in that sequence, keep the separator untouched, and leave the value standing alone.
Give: 10h44
